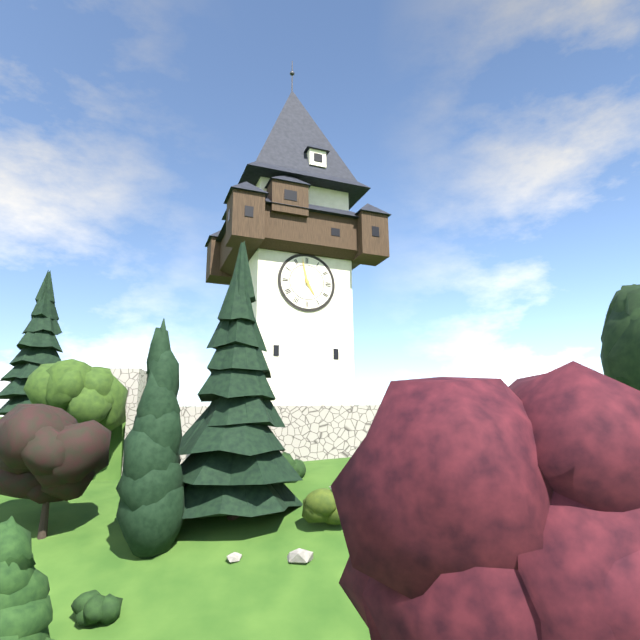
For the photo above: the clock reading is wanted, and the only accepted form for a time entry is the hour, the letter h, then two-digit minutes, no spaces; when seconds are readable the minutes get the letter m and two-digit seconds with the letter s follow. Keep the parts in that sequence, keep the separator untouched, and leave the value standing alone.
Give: 4h58
